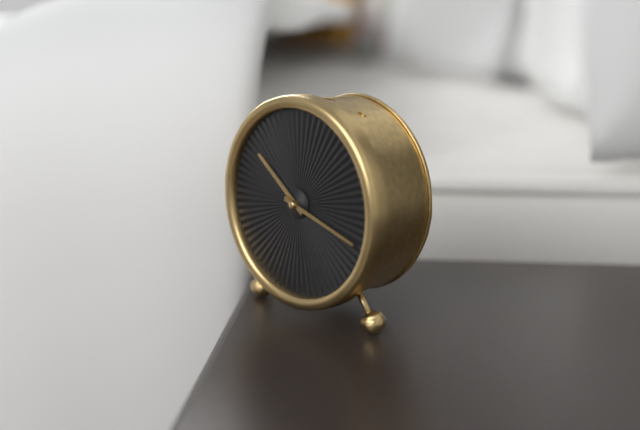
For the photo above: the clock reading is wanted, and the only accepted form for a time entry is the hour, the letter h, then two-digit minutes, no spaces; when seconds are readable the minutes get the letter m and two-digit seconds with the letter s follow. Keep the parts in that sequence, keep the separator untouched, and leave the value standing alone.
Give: 10h18
